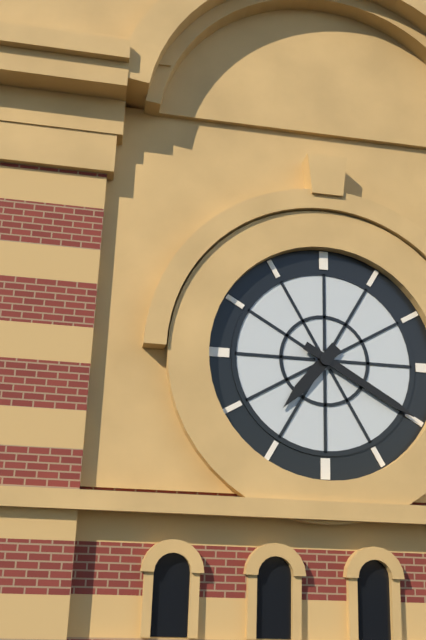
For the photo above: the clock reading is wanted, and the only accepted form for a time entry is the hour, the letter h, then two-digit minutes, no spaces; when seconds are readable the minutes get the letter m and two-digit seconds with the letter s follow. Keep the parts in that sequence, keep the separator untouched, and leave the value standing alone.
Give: 7h20
